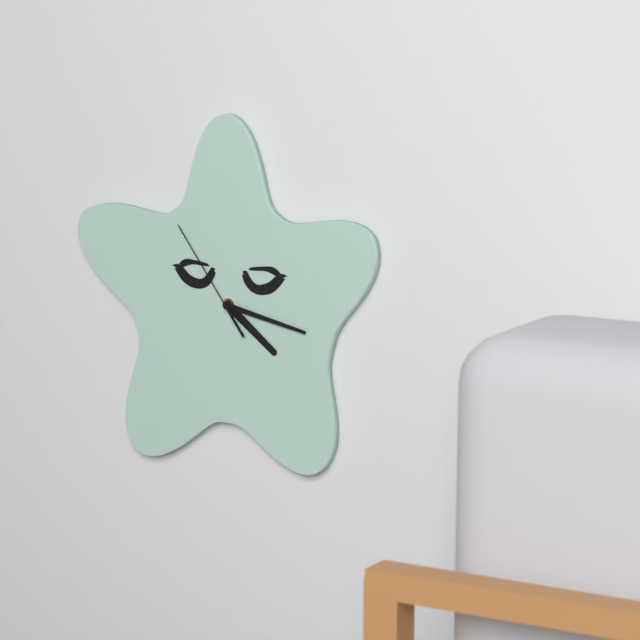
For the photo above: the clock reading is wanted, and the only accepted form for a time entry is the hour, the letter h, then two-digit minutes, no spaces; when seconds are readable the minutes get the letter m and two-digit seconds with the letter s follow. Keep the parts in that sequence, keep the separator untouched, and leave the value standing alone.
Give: 4h17m54s
